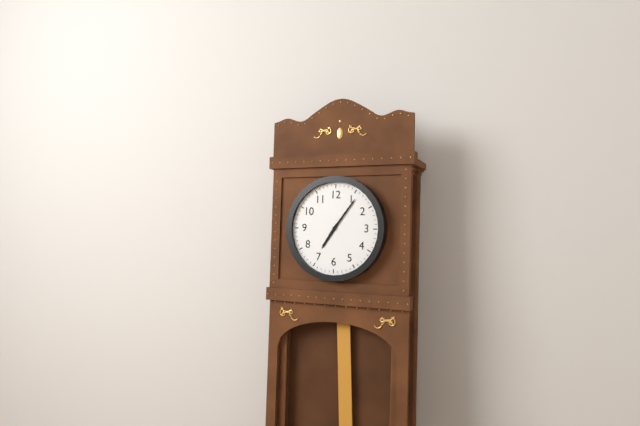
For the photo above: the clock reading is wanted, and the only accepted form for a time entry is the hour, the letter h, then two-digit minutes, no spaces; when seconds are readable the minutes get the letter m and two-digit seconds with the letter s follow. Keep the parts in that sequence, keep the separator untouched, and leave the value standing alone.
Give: 7h06
